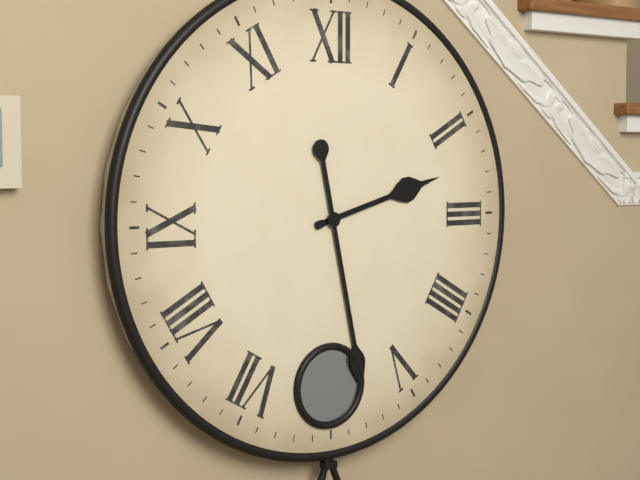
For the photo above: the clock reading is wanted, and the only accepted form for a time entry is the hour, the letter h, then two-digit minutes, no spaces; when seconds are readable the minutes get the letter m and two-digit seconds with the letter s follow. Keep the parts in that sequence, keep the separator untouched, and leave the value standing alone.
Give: 2h28
